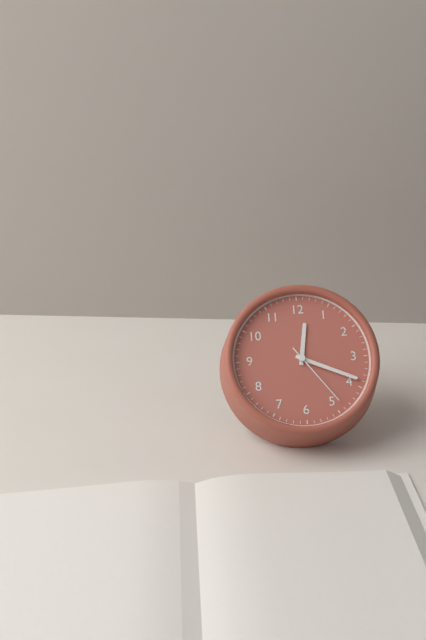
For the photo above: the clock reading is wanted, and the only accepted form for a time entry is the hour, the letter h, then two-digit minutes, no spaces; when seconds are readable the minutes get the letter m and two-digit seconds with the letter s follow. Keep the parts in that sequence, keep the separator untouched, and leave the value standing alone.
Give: 12h19m24s
